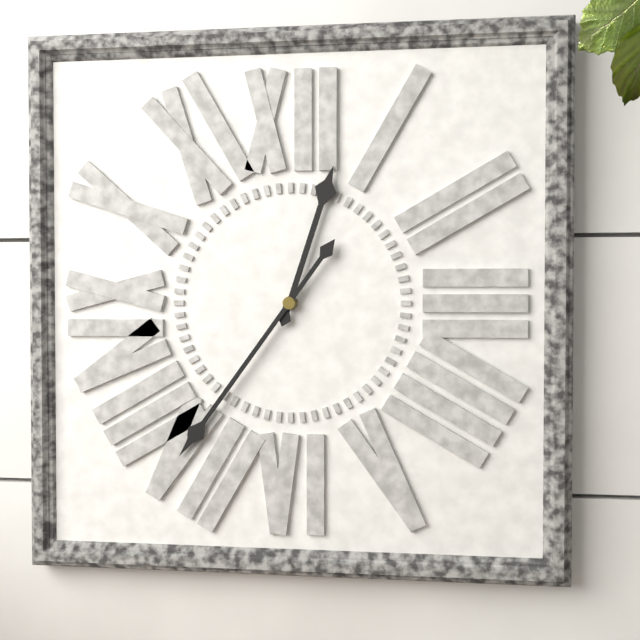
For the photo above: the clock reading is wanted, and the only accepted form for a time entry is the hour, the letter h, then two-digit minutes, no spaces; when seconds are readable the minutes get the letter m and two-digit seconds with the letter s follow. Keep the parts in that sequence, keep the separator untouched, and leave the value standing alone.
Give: 12h36
